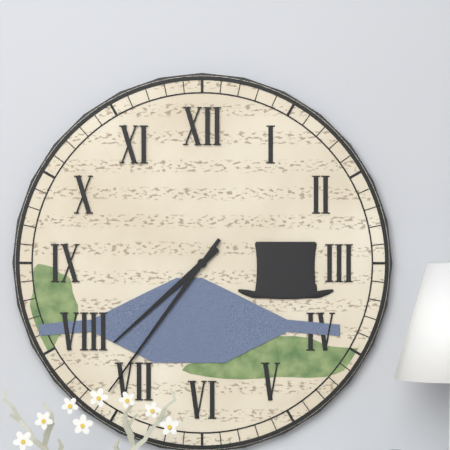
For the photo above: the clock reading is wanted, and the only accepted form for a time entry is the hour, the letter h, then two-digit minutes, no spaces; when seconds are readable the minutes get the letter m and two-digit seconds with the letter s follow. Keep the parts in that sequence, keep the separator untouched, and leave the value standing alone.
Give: 7h36
